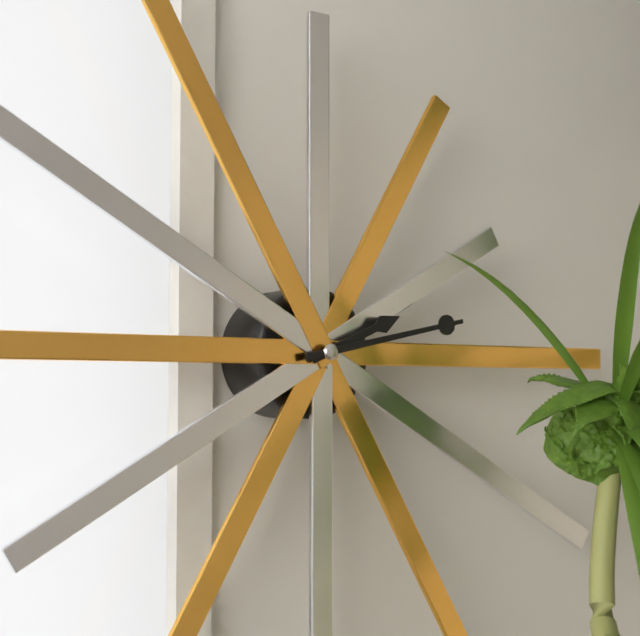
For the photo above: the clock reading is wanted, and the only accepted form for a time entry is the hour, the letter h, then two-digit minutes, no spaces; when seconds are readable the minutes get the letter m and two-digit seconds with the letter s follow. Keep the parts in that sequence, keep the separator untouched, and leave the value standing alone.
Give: 2h13
